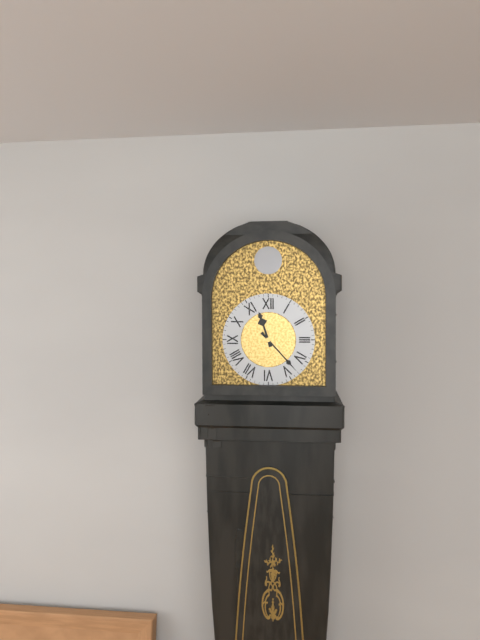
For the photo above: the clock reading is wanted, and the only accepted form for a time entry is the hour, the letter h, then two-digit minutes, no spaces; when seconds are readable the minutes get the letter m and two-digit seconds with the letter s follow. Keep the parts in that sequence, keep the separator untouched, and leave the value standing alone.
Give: 11h23
